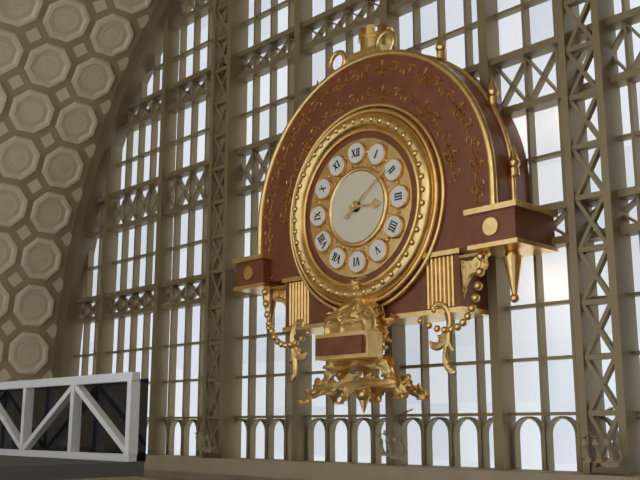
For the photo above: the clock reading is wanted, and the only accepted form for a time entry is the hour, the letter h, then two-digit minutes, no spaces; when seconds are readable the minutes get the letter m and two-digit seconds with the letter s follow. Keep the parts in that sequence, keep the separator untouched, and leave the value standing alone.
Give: 3h09
